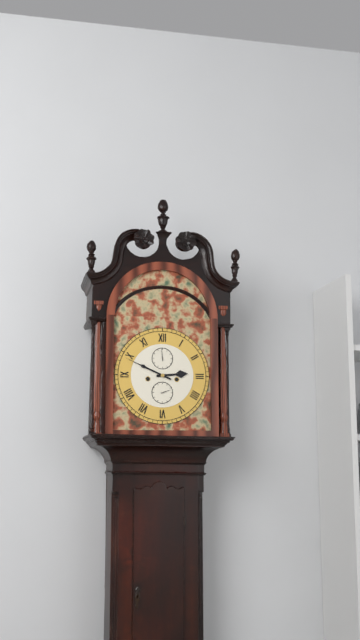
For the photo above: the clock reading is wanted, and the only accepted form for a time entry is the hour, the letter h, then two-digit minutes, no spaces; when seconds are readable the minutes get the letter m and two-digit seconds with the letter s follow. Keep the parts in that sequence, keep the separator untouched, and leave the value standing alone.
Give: 2h49
